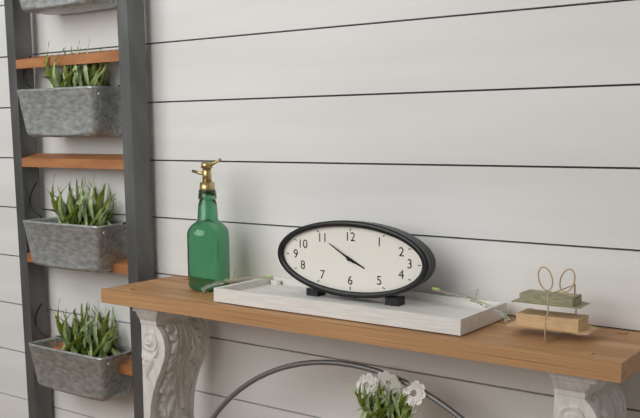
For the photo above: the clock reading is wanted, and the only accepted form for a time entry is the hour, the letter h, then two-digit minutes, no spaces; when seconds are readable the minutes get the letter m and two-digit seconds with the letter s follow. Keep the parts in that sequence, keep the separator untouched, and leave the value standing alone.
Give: 3h50
